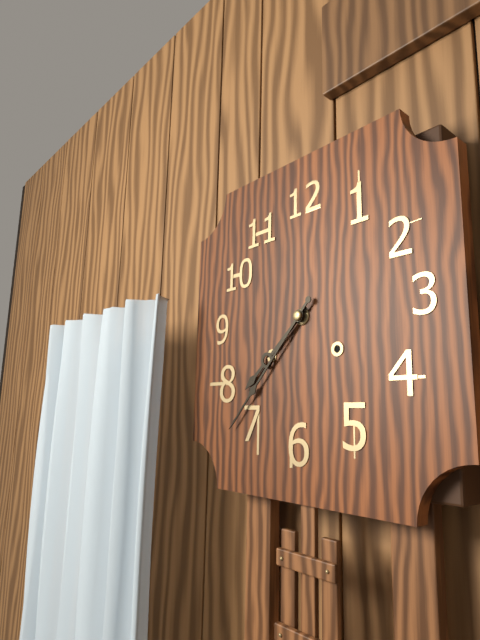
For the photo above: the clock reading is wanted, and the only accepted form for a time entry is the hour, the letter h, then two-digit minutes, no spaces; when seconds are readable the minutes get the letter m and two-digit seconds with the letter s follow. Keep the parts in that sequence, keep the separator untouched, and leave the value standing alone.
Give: 7h37
